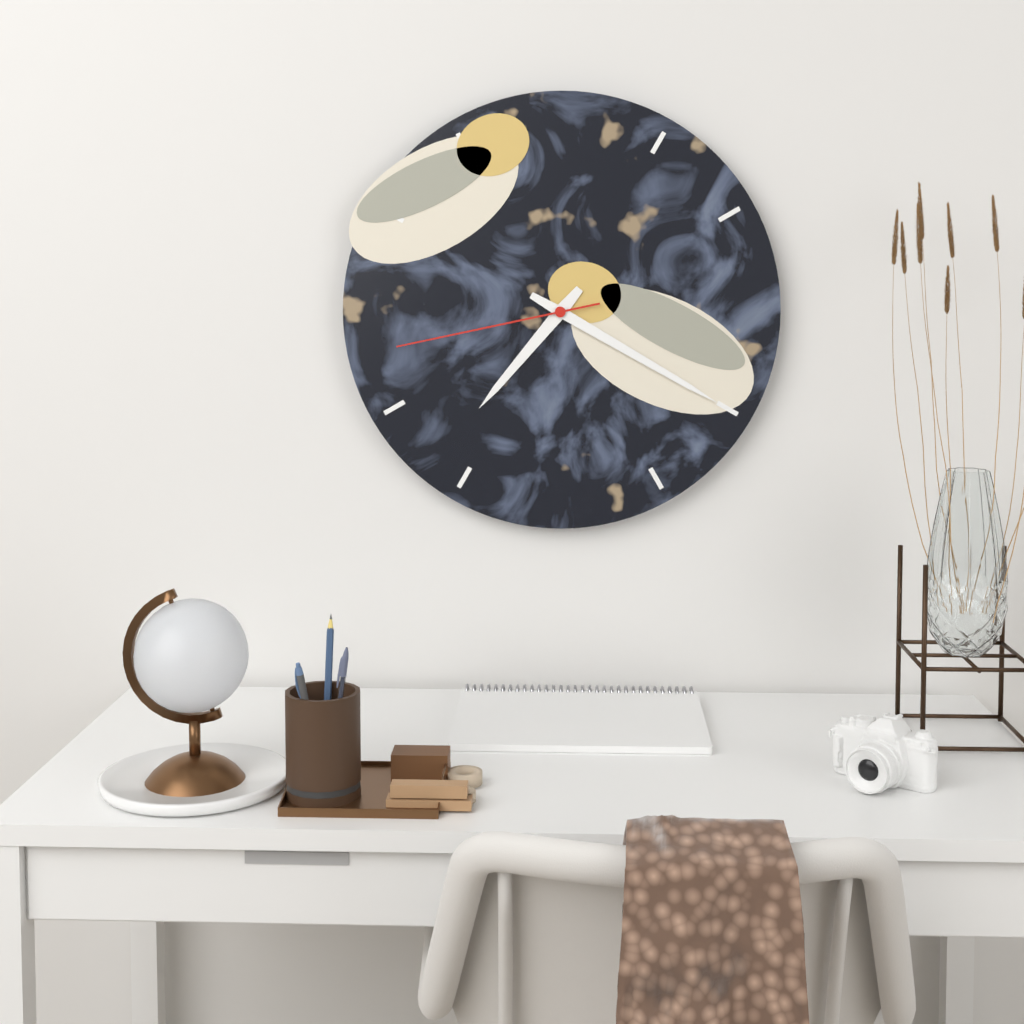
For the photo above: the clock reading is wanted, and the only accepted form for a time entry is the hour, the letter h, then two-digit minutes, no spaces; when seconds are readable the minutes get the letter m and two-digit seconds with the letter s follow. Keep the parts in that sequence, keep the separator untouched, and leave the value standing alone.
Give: 7h20m43s
